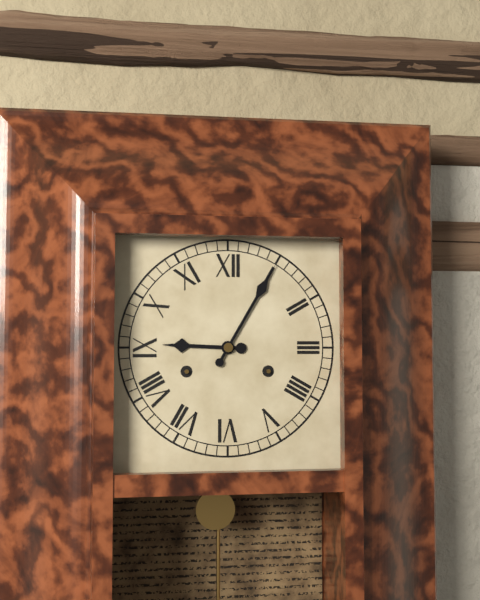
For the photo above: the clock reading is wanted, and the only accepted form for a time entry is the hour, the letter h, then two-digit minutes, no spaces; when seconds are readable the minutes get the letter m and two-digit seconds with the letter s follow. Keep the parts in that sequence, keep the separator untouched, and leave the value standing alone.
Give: 9h05
